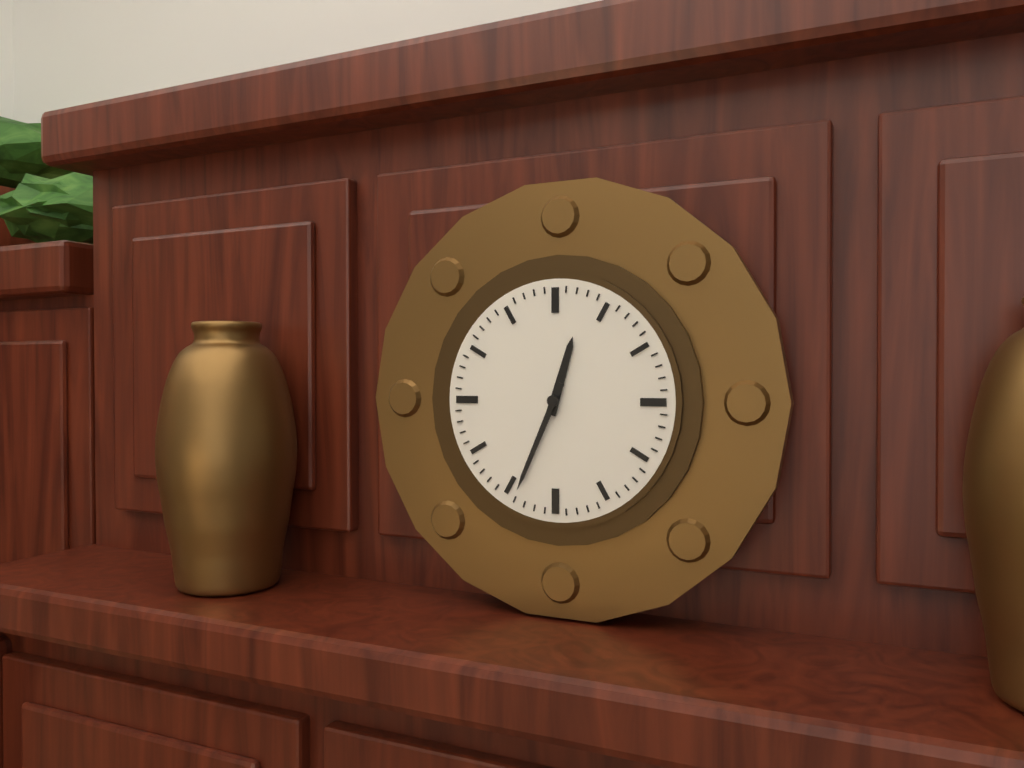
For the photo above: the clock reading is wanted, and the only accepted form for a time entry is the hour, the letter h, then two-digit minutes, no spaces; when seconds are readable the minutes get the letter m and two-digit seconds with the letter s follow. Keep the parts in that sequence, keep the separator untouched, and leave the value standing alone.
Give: 12h34
